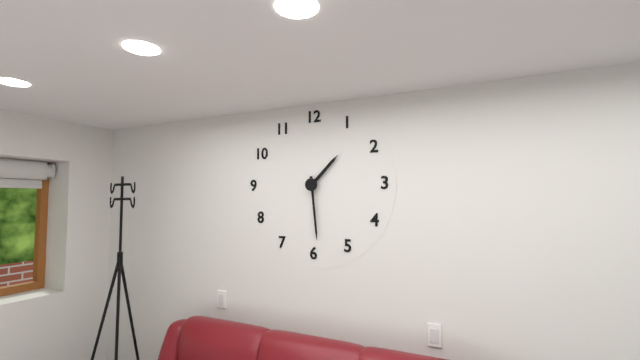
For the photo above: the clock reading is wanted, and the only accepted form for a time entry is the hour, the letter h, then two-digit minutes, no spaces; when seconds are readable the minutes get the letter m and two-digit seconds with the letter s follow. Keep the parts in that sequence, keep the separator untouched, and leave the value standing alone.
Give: 1h29
